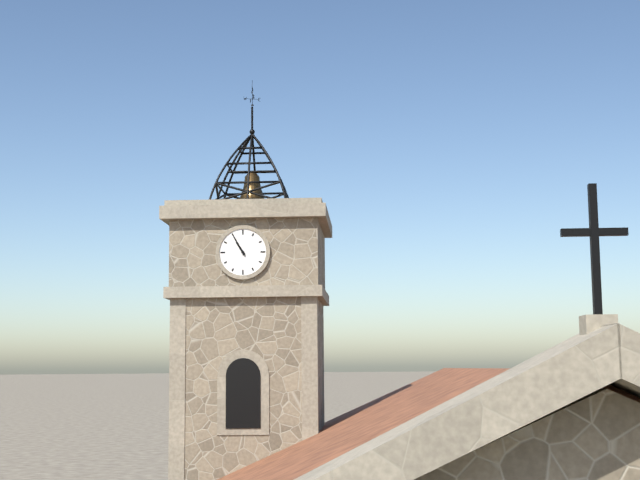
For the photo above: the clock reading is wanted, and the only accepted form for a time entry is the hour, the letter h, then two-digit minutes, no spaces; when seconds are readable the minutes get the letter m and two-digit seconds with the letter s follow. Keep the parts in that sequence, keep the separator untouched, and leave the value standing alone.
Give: 10h55
